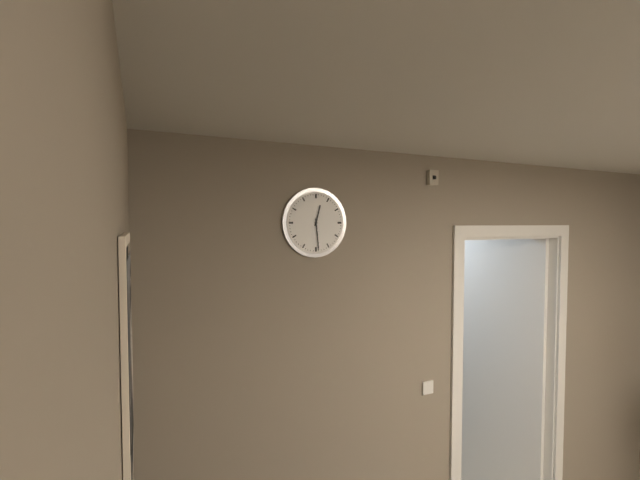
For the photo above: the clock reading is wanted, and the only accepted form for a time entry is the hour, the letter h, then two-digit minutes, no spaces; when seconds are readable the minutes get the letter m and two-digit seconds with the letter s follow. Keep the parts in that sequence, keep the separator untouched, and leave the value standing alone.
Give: 12h29
